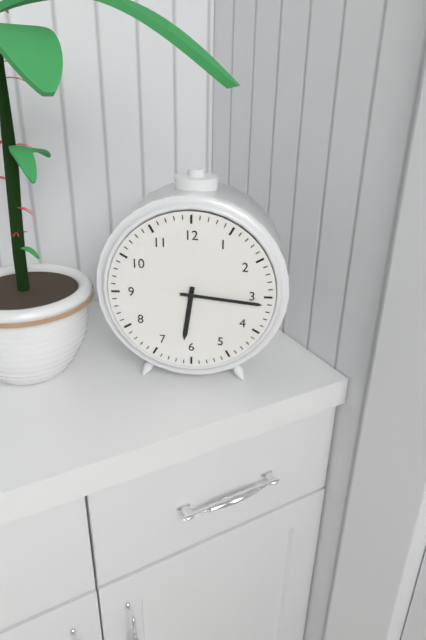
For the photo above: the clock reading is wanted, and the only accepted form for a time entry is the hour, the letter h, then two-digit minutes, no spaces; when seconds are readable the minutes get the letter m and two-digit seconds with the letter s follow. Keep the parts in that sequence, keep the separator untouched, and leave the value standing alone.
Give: 6h16
